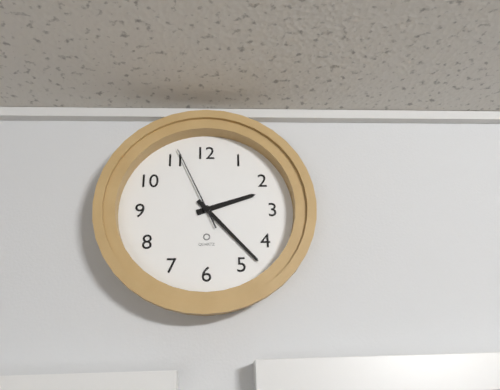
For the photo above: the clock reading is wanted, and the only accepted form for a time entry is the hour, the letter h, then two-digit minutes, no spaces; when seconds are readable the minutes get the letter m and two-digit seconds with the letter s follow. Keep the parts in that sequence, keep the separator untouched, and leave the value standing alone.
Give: 2h23m56s
